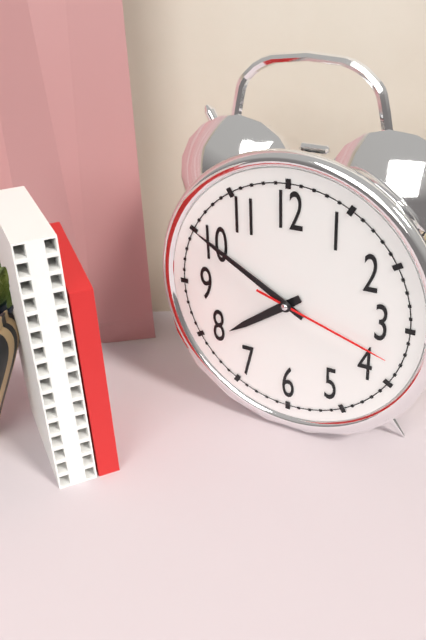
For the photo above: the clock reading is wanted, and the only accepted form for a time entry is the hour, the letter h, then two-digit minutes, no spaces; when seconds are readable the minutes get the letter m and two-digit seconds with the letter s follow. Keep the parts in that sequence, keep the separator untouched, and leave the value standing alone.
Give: 7h50m18s
